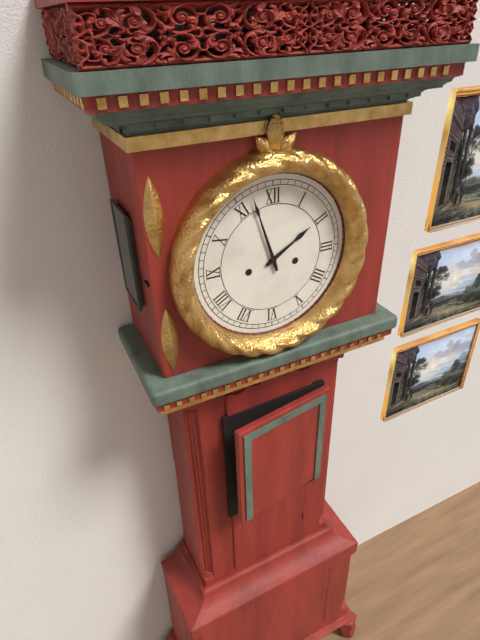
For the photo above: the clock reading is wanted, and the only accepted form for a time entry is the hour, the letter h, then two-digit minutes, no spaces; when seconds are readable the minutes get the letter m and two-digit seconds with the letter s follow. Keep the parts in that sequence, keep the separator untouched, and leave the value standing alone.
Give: 1h57
